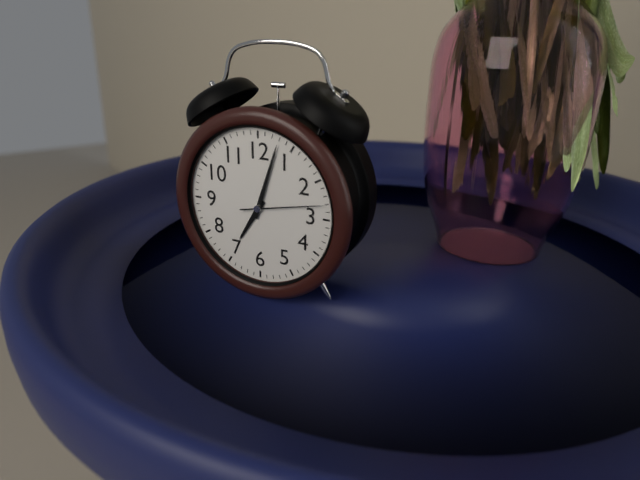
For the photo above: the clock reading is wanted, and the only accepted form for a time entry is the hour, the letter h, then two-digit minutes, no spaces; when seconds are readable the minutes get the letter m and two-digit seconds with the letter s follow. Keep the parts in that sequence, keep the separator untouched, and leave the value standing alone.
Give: 7h03m13s
